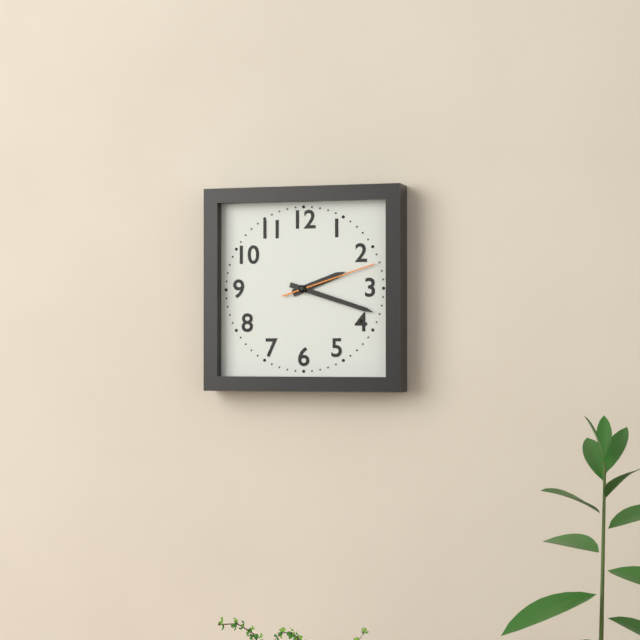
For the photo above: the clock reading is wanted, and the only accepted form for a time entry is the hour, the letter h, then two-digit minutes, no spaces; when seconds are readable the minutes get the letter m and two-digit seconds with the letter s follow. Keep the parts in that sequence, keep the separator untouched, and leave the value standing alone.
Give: 2h18m12s
